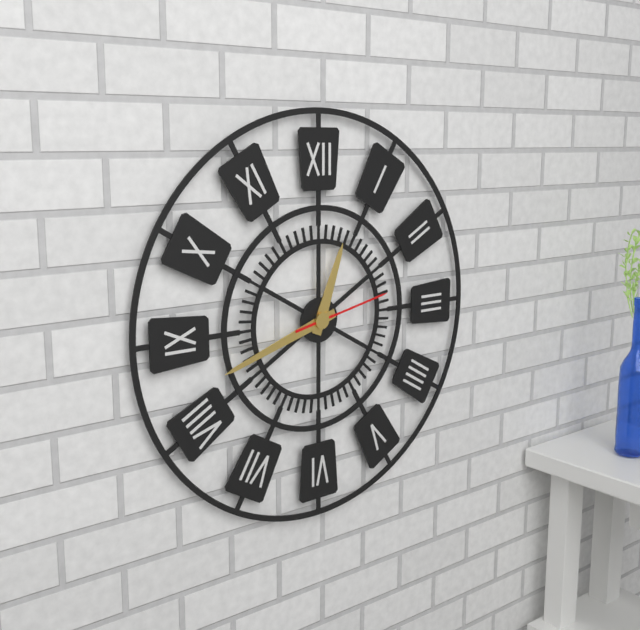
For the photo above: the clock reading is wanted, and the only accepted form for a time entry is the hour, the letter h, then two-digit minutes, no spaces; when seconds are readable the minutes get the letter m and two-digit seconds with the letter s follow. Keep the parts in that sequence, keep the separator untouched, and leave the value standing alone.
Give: 12h42m13s
